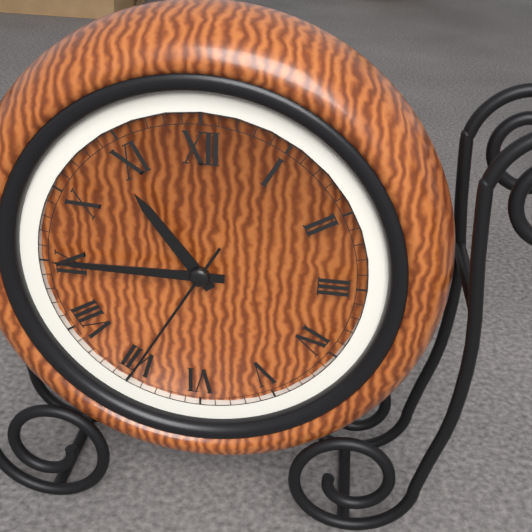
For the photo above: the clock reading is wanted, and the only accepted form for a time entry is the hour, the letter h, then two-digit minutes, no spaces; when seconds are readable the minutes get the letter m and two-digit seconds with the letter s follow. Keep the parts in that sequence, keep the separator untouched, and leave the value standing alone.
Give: 10h45m35s
